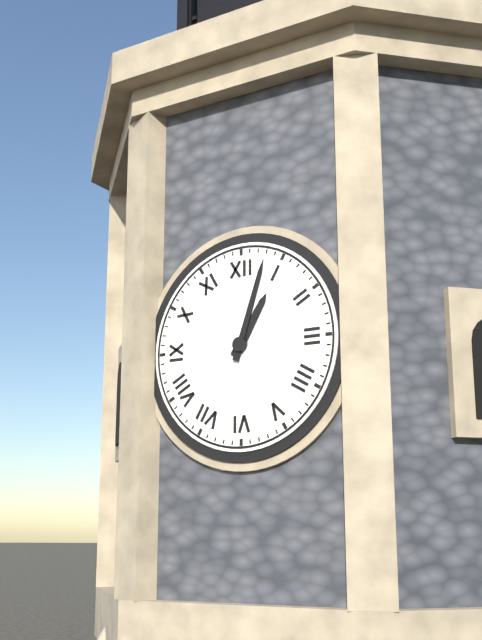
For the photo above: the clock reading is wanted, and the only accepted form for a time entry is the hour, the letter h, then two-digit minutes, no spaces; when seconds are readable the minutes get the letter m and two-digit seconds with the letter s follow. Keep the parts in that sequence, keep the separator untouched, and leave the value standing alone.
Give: 1h03
